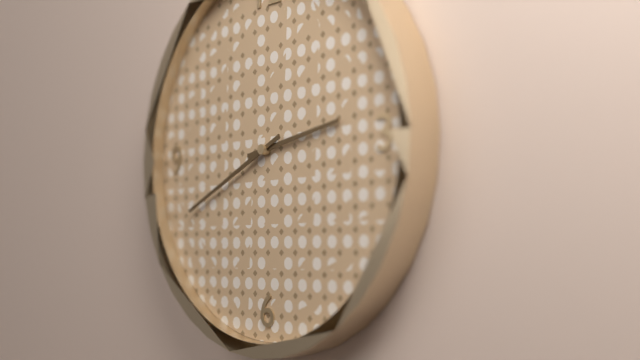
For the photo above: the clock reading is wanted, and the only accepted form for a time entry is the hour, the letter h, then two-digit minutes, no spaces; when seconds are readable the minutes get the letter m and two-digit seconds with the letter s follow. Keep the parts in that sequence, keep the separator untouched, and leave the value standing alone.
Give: 2h41
